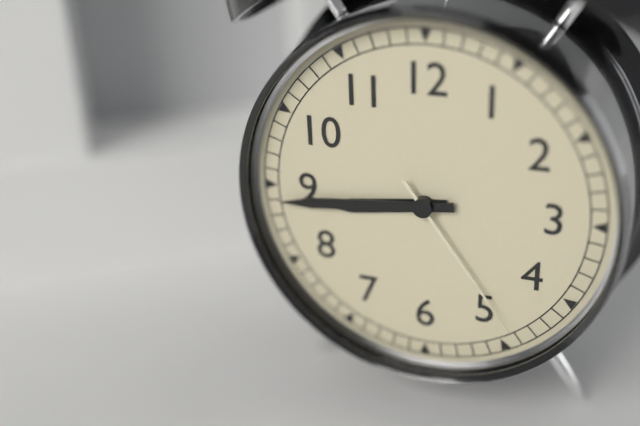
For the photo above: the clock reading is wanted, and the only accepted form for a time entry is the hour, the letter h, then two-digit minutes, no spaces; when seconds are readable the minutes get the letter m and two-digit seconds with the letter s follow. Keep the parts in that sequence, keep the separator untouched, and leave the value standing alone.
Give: 8h44m24s
